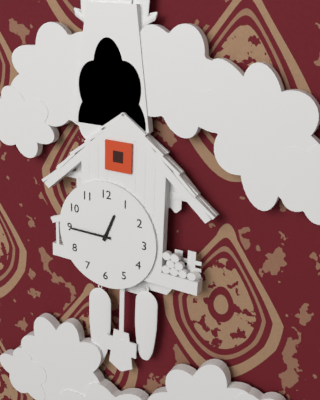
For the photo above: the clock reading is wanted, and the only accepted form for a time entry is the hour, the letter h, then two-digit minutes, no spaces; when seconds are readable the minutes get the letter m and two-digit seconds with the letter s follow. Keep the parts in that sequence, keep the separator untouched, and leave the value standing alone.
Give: 12h45
